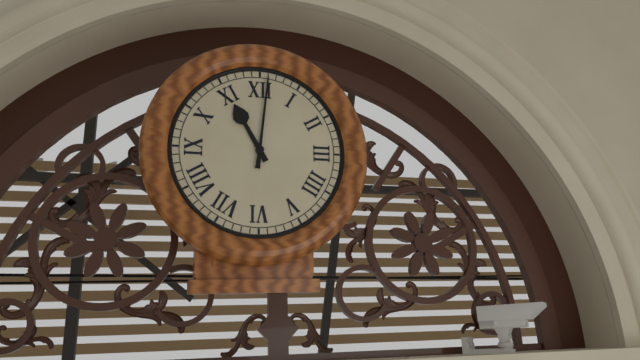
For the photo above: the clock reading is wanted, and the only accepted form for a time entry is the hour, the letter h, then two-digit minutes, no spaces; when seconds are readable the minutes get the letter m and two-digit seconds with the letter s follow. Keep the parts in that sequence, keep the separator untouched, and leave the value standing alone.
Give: 11h01
